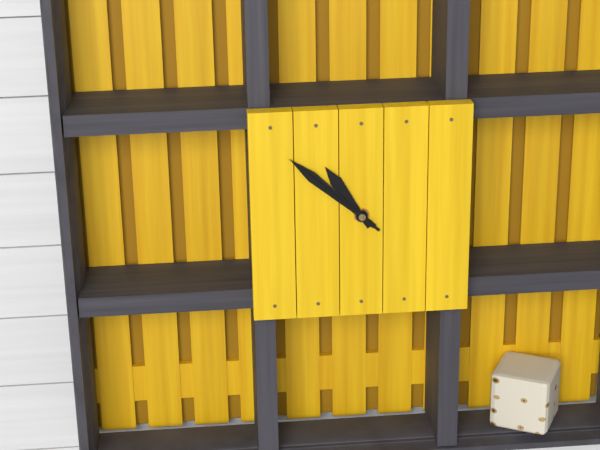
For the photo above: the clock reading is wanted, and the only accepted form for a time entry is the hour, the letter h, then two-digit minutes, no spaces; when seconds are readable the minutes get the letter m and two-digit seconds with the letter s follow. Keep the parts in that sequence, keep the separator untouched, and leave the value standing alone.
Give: 10h52m52s
